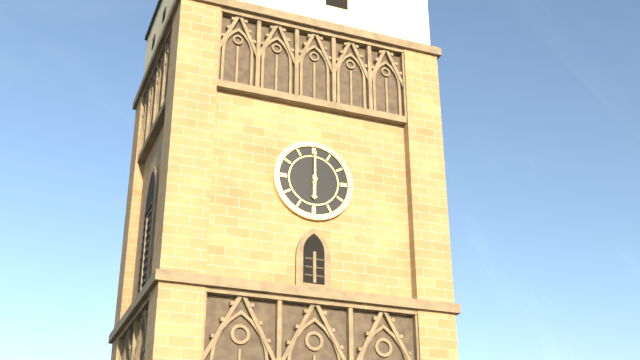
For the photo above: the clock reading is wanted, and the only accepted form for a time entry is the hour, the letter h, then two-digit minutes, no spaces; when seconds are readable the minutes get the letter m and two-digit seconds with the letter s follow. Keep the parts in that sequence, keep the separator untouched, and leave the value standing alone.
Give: 6h00
